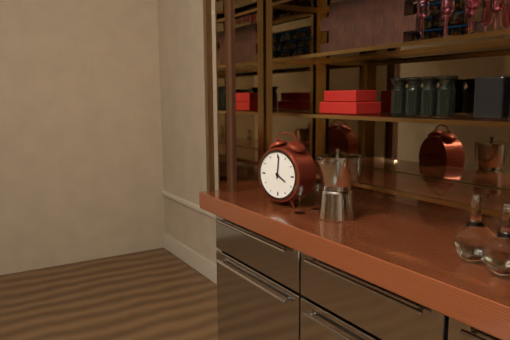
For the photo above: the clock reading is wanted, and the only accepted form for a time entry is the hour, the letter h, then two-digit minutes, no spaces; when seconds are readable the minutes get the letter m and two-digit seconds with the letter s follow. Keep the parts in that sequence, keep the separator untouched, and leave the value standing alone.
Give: 4h01
